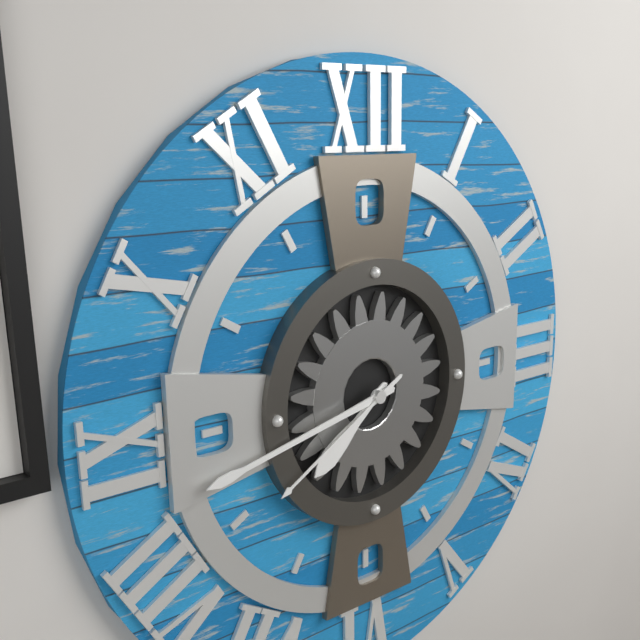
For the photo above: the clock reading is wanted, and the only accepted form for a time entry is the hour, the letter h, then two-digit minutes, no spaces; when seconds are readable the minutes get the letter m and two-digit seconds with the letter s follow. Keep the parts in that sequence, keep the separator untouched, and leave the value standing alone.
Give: 7h43m40s
